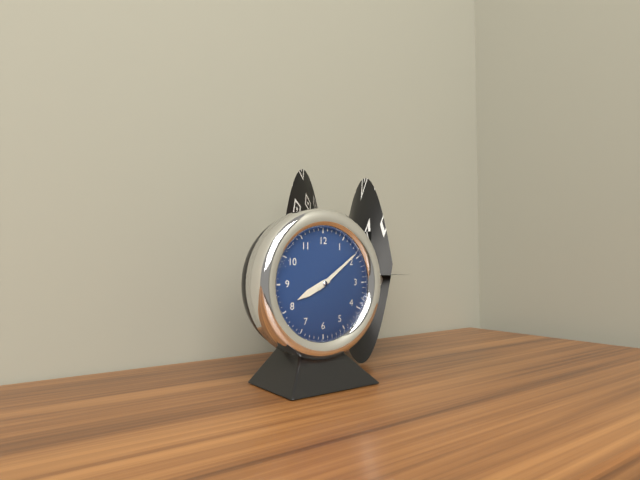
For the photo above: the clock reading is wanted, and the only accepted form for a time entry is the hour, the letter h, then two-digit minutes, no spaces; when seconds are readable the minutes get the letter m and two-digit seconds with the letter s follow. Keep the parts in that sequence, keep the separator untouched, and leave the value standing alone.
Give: 8h09
